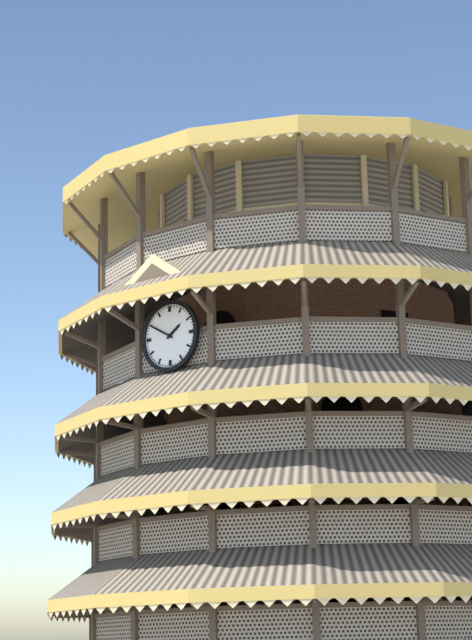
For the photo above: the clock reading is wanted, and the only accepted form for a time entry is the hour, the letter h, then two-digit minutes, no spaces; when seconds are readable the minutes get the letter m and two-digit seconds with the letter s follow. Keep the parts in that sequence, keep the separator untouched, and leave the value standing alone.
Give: 1h50
